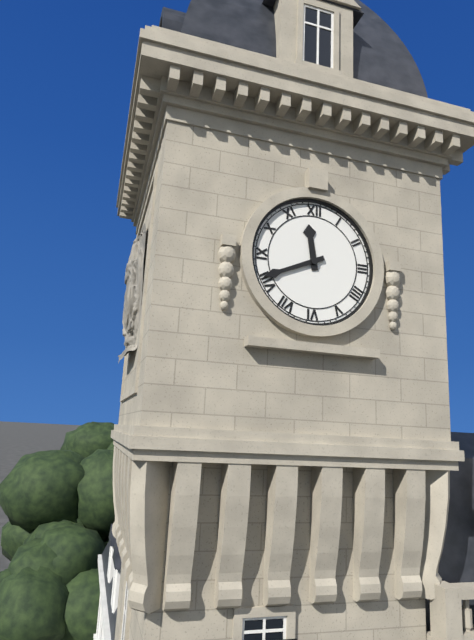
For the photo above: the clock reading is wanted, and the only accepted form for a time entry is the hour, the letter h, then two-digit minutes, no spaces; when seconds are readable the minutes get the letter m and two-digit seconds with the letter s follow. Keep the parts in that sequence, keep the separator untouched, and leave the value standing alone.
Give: 11h41
